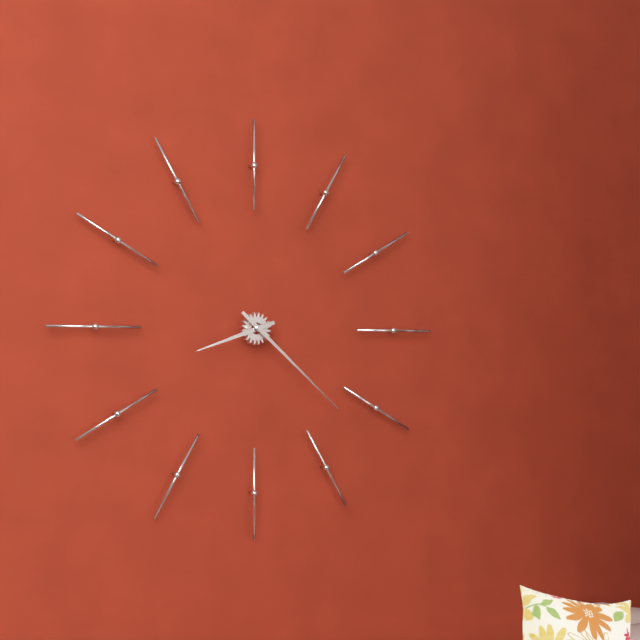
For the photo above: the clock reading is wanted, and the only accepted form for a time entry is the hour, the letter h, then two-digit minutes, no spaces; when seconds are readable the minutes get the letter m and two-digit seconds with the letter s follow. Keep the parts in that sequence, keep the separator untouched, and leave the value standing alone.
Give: 8h22
